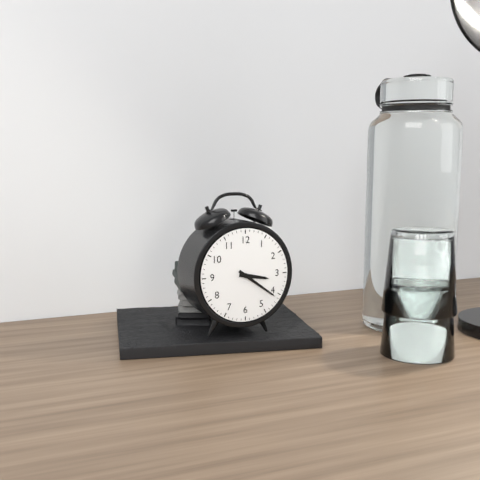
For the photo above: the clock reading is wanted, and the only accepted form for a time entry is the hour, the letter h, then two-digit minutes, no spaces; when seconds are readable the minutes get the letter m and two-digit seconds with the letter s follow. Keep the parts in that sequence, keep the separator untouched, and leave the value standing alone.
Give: 3h21
